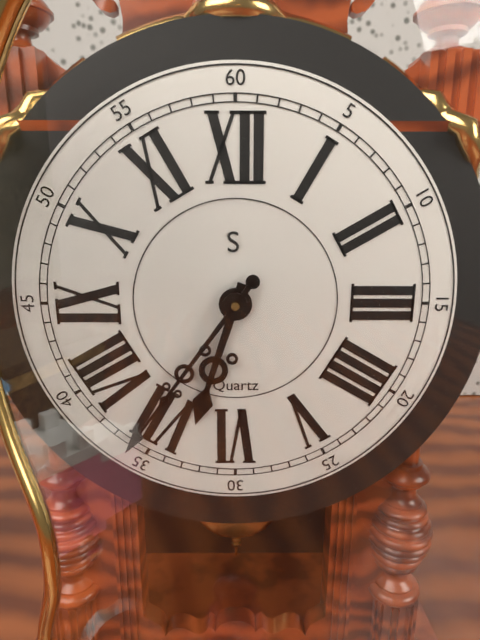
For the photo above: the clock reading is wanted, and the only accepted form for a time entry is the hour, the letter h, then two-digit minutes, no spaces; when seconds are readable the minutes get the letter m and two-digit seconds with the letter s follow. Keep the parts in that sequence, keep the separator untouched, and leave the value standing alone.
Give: 6h36
